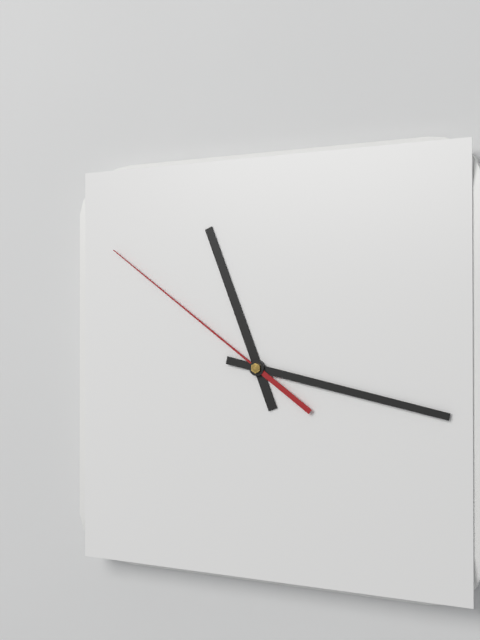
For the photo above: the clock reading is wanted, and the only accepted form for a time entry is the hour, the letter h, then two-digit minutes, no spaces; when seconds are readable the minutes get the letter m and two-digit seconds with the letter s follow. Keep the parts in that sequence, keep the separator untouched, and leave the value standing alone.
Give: 11h17m51s
